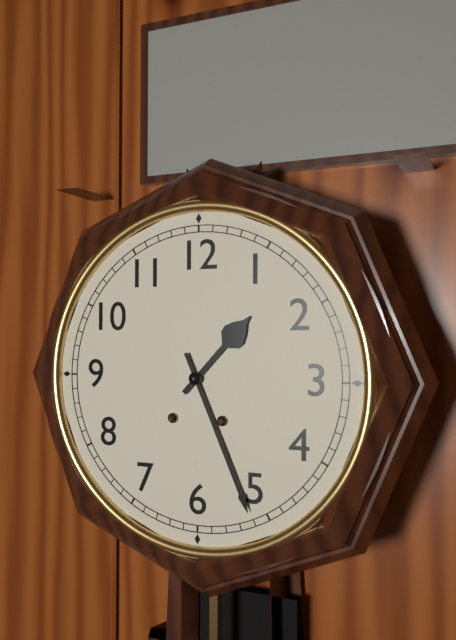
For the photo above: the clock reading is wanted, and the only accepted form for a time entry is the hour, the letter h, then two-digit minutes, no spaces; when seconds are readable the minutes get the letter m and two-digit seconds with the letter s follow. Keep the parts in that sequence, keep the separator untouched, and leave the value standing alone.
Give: 1h26
